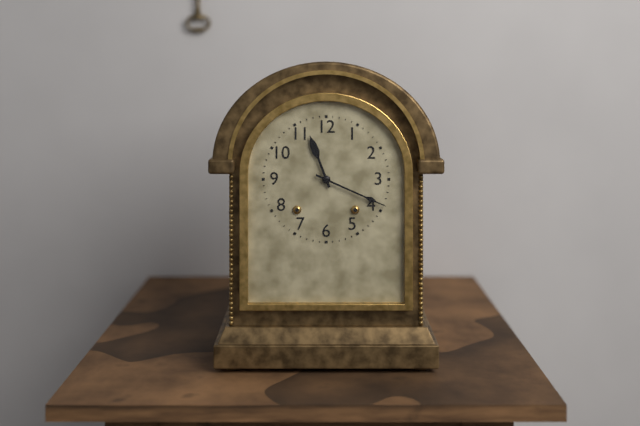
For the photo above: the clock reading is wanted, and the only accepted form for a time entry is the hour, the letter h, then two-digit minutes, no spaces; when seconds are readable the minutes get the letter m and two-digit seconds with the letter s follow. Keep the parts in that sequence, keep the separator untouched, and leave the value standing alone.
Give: 11h19
